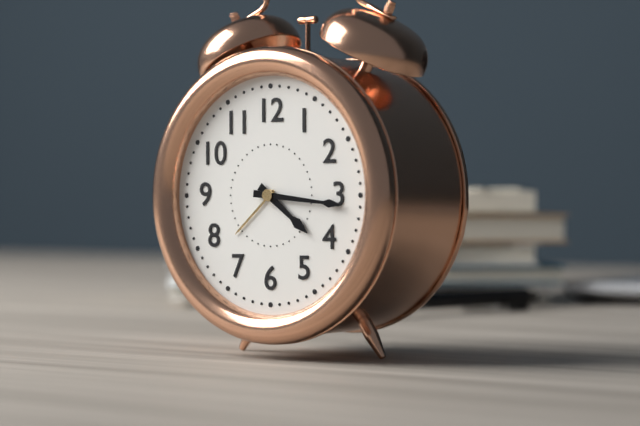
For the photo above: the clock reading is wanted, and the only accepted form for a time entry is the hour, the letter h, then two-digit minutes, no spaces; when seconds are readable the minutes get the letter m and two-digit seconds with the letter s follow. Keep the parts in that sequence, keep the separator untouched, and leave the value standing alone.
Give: 4h16
